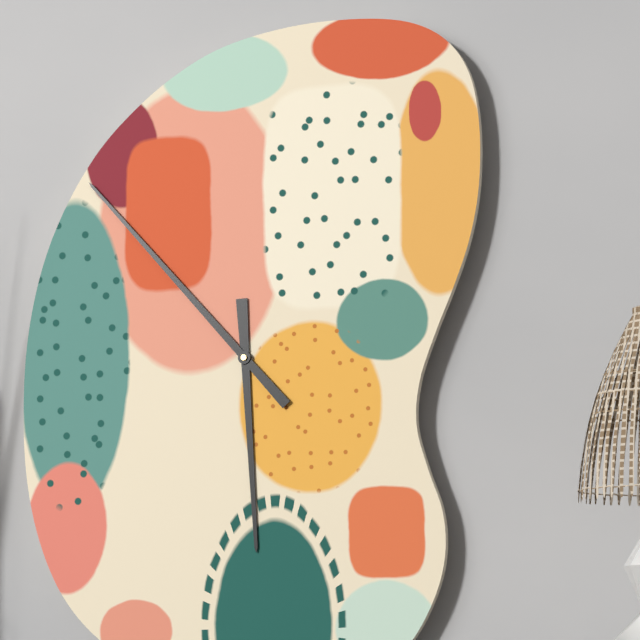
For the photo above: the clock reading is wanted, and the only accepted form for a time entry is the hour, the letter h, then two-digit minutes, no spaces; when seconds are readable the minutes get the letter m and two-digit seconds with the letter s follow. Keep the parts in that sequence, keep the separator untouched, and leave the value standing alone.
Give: 5h53
